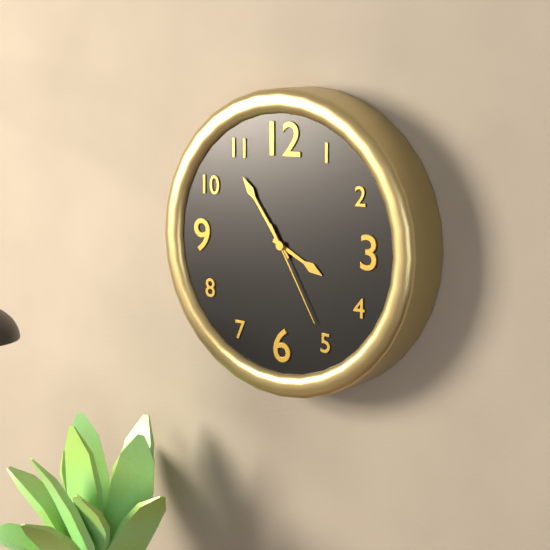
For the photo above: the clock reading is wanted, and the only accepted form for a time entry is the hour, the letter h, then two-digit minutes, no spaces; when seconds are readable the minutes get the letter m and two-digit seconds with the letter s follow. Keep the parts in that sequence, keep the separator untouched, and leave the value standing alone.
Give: 3h54m25s
